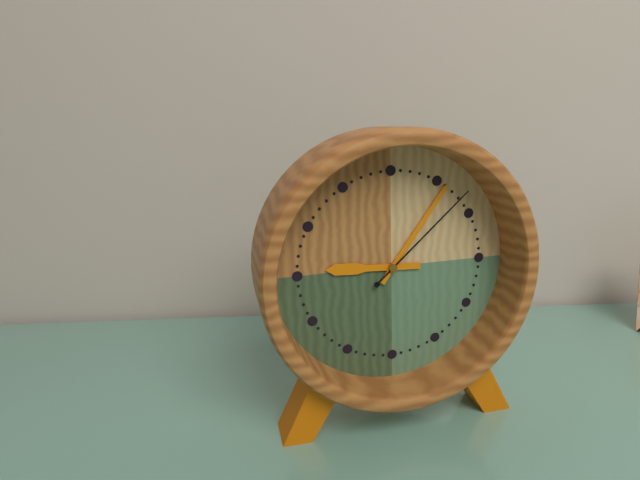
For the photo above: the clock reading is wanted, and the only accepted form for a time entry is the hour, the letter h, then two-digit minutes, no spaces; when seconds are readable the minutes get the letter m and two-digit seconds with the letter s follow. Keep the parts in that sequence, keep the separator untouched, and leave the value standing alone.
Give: 9h06m08s
